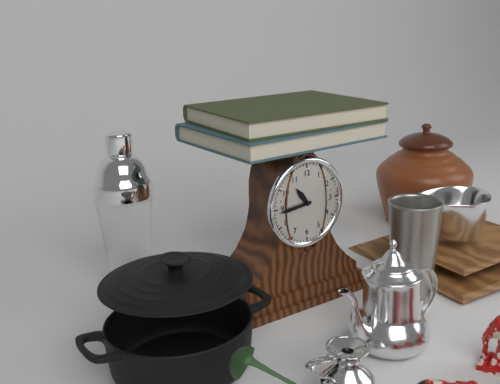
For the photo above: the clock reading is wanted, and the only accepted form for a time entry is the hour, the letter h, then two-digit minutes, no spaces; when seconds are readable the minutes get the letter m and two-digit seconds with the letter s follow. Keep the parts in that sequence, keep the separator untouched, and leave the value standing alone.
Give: 10h44
